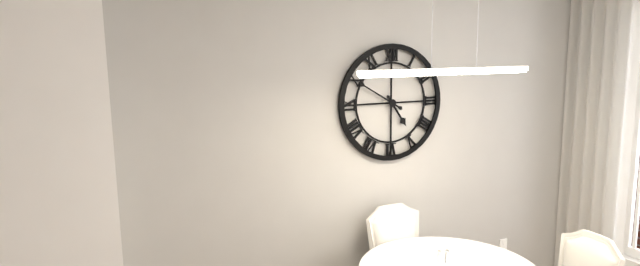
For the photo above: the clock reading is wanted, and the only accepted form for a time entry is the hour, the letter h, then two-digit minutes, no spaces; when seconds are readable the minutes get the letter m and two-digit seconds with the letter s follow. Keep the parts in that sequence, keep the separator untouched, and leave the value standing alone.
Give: 4h50
